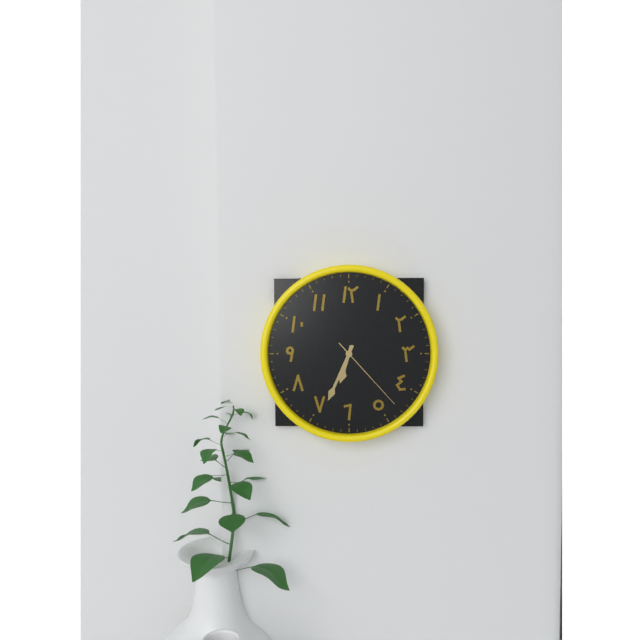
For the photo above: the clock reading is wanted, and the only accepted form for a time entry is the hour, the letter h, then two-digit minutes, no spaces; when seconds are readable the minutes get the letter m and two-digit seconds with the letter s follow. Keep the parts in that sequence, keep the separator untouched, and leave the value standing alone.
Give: 6h34m23s
